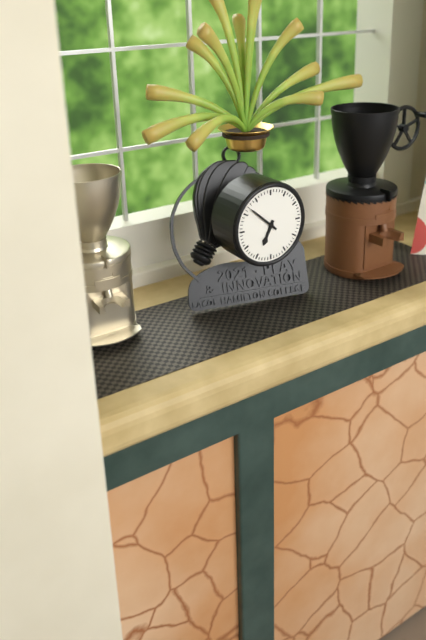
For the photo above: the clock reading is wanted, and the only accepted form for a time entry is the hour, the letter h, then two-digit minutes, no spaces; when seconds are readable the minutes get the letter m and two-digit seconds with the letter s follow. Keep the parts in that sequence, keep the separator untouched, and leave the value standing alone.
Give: 6h52
